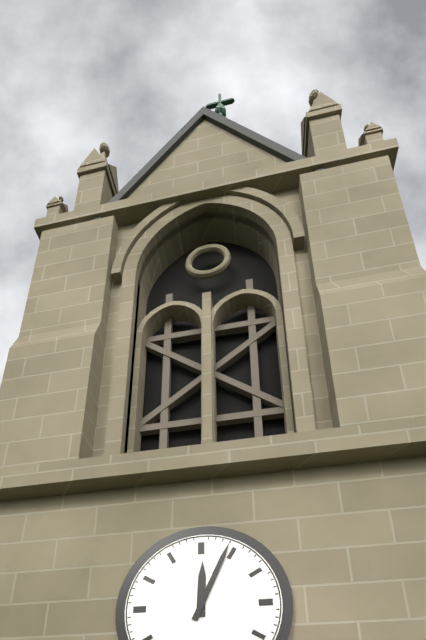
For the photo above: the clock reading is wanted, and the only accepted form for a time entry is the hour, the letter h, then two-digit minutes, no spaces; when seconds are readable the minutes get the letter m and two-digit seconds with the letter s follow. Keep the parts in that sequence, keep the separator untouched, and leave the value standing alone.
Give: 12h04
